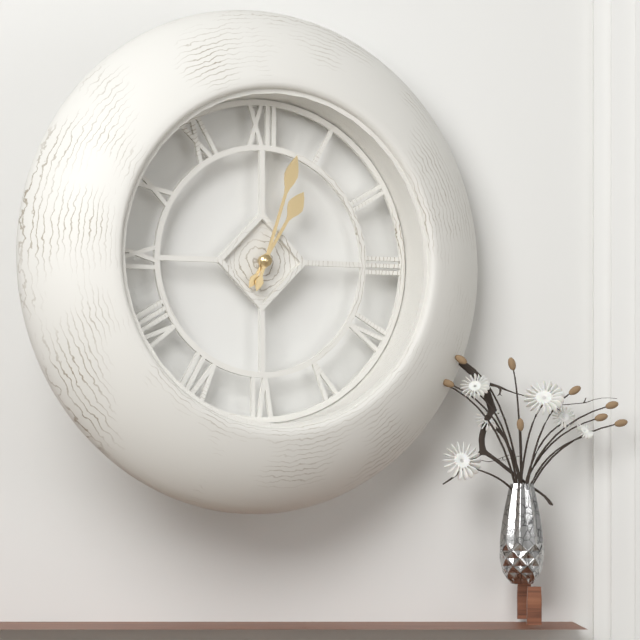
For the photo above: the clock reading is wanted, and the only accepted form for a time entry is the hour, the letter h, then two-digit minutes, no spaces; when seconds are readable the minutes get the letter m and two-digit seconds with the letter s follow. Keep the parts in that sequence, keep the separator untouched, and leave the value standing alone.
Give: 1h03
